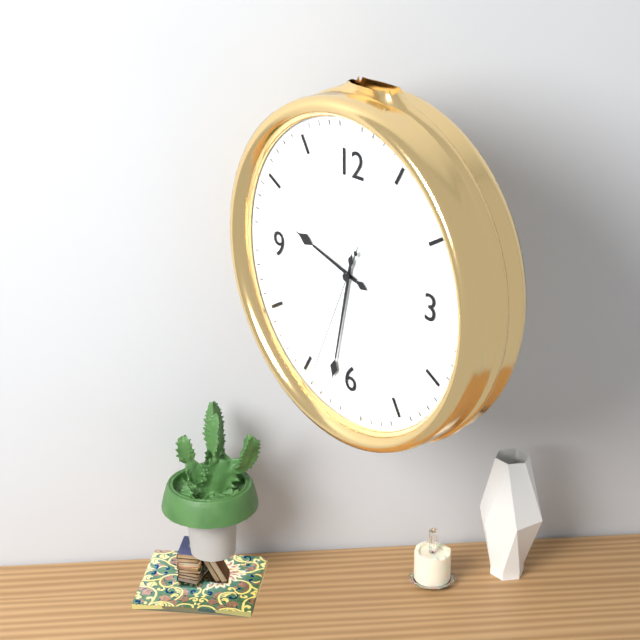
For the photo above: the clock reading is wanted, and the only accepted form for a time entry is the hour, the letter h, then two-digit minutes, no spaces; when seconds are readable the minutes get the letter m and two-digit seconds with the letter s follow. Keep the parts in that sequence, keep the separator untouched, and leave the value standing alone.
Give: 9h32m34s
